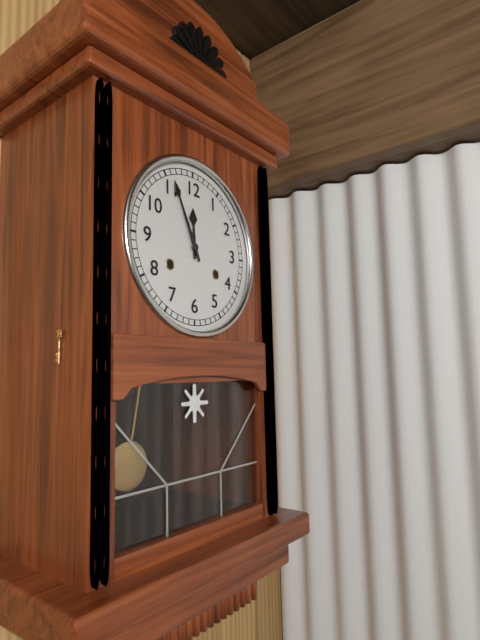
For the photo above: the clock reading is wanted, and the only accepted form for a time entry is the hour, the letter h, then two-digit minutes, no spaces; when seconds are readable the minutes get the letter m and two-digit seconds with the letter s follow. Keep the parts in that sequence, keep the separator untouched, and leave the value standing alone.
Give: 11h56
